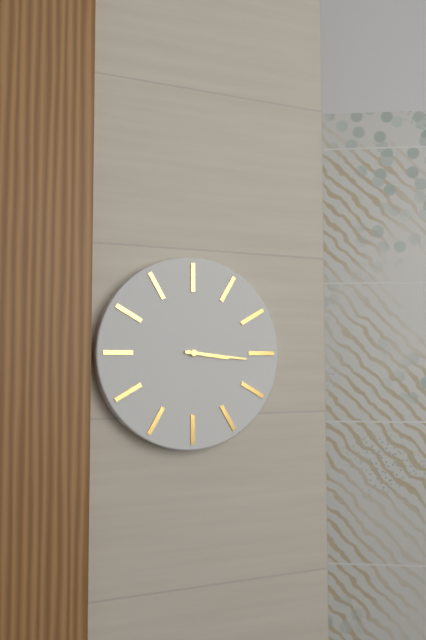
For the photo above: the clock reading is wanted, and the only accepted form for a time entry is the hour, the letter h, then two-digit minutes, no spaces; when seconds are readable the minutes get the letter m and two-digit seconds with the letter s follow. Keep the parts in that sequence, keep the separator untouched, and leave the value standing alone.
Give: 3h16
